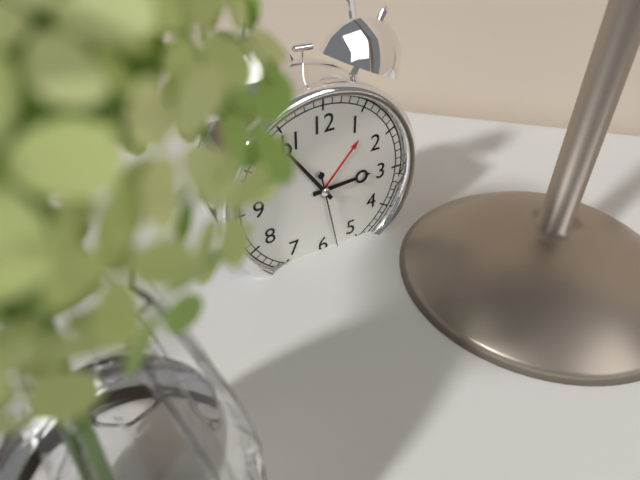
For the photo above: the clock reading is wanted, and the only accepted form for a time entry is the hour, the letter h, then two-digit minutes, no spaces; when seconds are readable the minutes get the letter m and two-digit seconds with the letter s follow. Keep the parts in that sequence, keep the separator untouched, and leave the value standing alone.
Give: 2h54m28s
